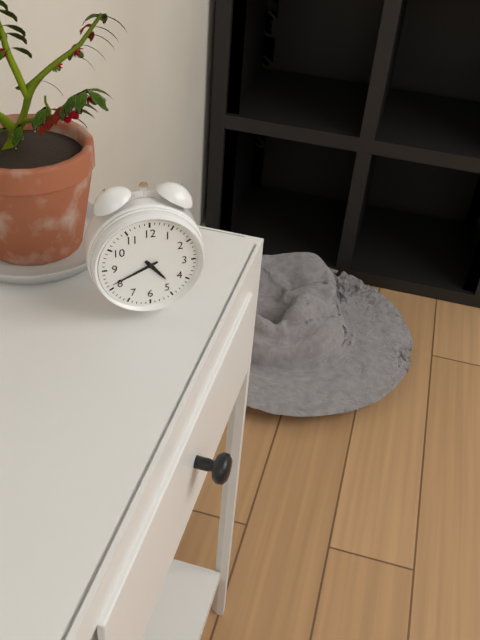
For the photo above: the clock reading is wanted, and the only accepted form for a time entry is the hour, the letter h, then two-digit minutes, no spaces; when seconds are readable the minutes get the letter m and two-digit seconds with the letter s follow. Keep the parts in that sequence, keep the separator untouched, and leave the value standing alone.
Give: 4h41
